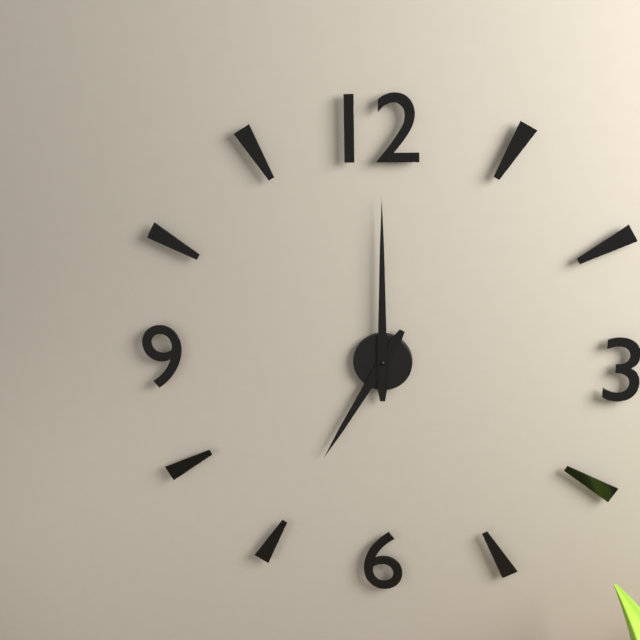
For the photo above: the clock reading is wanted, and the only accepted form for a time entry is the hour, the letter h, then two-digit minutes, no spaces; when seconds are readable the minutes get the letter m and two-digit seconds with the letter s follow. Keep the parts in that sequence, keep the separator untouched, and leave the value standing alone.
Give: 7h00
